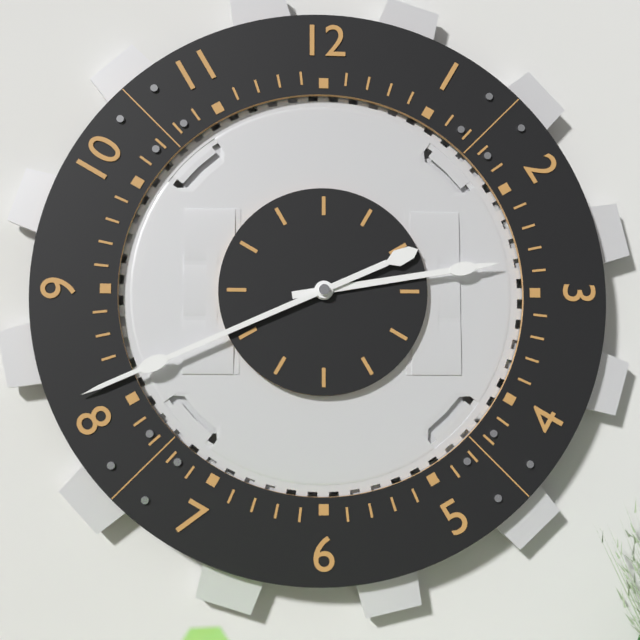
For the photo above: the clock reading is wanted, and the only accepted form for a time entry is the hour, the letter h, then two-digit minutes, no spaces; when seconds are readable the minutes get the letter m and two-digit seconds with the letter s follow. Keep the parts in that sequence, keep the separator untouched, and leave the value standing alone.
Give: 2h41
